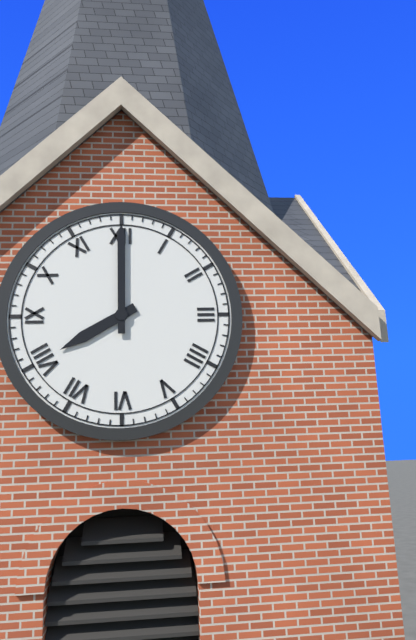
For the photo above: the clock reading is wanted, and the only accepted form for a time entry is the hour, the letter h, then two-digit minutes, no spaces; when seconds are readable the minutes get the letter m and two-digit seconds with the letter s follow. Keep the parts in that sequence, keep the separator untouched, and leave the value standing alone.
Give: 8h00
